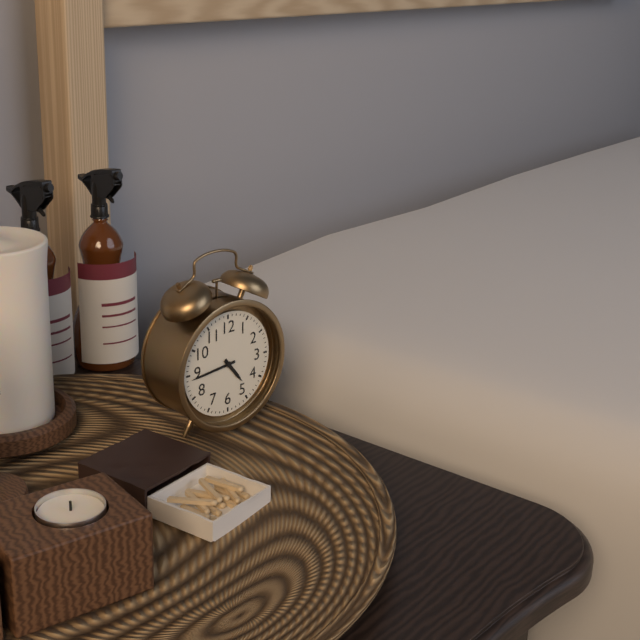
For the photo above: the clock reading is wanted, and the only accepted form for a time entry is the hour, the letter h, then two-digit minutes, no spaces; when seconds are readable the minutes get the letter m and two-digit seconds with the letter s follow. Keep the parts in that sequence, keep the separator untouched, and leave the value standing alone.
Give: 4h44
